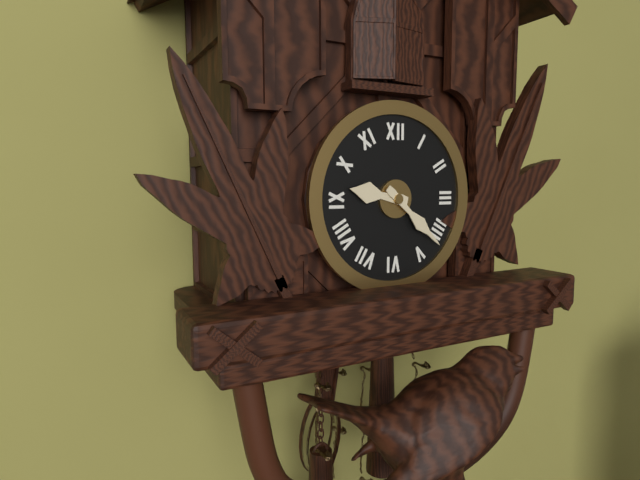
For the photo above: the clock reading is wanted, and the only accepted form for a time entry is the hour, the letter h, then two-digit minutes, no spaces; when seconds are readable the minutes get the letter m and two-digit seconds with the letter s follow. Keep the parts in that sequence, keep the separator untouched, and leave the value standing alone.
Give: 9h22
